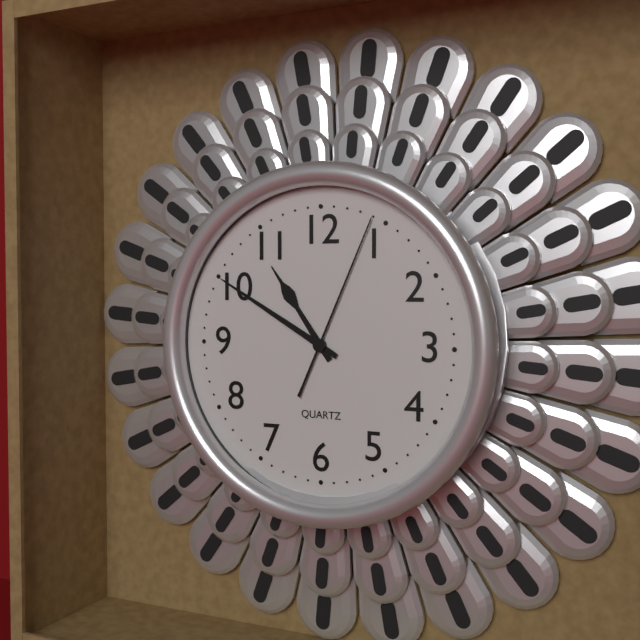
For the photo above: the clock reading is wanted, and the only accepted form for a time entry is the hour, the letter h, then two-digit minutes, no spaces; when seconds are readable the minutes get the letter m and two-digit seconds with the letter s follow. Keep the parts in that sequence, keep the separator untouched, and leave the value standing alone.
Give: 10h50m04s
